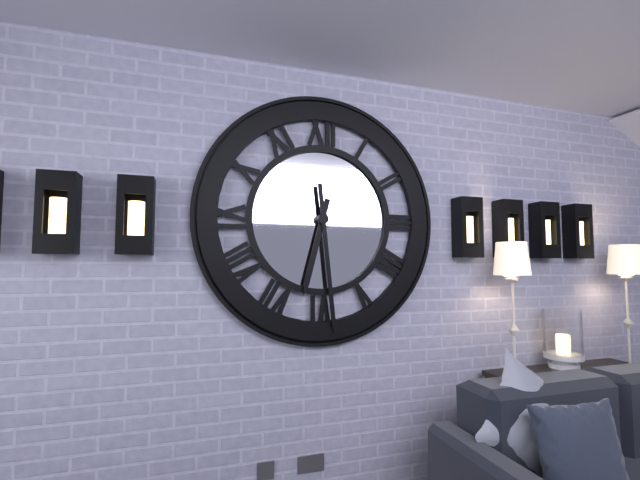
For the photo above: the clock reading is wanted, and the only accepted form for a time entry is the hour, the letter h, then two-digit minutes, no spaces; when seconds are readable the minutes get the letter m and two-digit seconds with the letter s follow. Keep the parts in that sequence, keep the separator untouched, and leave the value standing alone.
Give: 6h29
